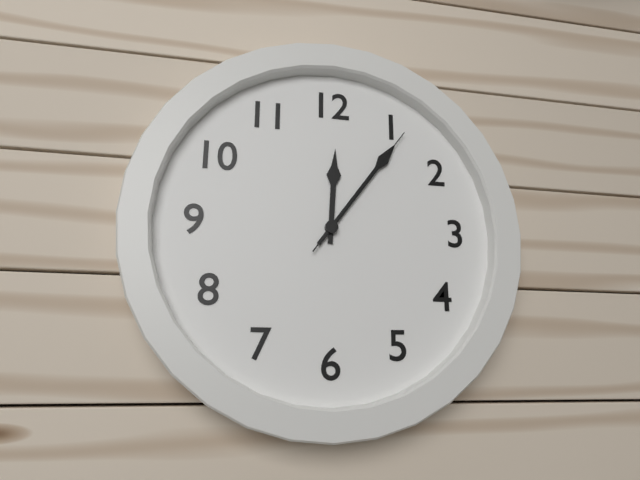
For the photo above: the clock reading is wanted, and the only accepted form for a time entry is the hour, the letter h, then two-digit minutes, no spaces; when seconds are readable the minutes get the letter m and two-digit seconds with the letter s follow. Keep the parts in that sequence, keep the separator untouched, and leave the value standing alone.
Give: 12h06m06s
